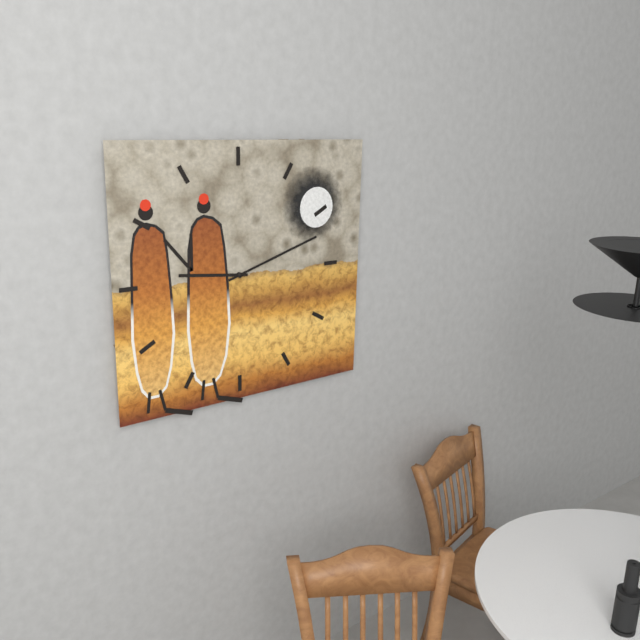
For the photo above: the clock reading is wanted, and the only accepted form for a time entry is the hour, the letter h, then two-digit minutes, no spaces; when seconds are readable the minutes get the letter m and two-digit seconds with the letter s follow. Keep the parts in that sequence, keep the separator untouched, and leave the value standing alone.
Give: 9h12
